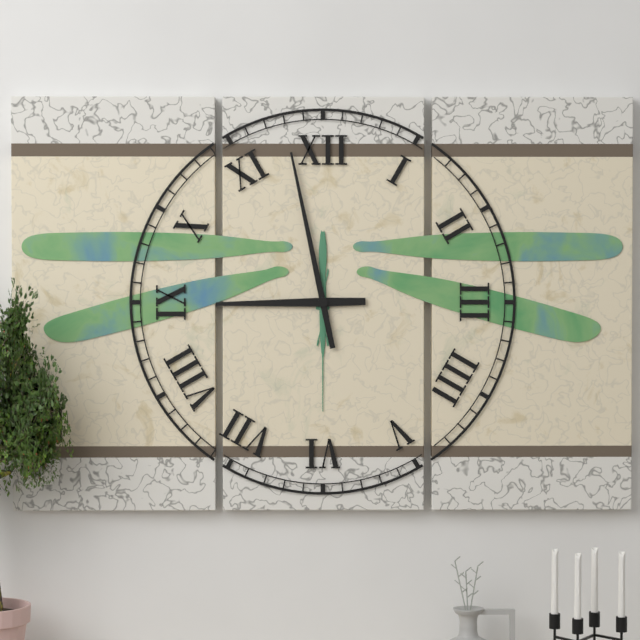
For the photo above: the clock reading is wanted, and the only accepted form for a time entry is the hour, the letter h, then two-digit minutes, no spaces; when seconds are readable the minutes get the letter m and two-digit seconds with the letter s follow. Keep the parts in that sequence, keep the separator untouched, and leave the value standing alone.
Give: 8h58
